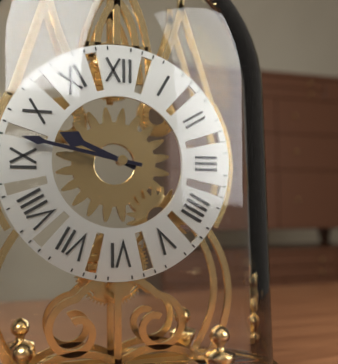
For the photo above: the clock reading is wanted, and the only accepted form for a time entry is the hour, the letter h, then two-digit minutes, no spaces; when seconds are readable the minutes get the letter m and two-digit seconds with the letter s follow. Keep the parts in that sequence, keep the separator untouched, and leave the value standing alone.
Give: 9h47
